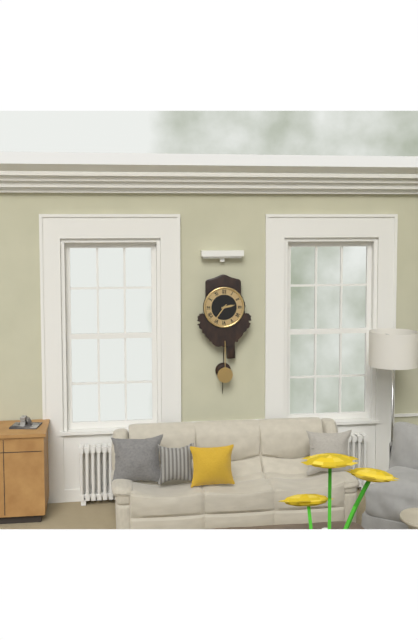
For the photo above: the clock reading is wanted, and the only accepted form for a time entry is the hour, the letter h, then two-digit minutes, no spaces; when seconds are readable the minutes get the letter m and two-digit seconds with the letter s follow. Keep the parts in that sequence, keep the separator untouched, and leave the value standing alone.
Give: 2h36
